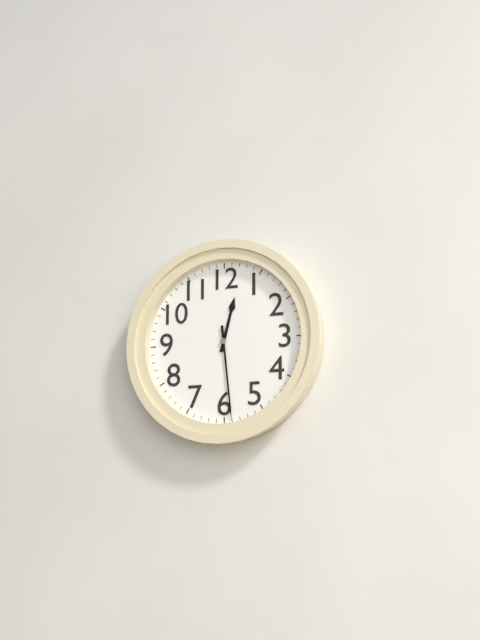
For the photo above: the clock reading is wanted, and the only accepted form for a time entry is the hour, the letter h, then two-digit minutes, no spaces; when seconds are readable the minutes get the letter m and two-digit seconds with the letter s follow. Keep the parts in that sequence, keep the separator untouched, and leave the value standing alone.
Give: 12h29
